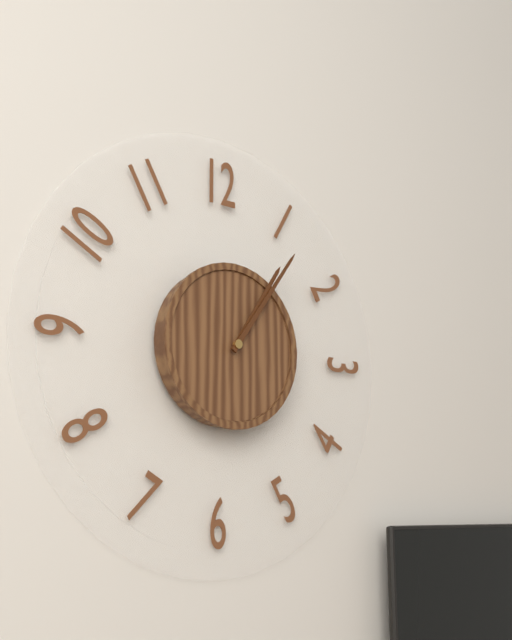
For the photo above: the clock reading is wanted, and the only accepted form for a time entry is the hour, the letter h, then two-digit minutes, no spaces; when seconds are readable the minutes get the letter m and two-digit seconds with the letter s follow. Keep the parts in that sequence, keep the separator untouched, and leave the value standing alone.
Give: 1h06
